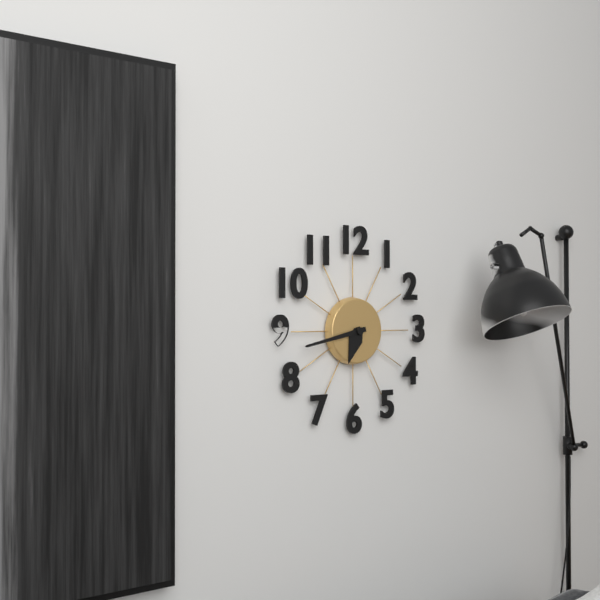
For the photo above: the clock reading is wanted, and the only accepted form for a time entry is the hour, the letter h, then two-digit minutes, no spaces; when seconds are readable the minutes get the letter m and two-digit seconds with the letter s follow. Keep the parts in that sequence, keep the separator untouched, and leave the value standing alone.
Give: 6h43
